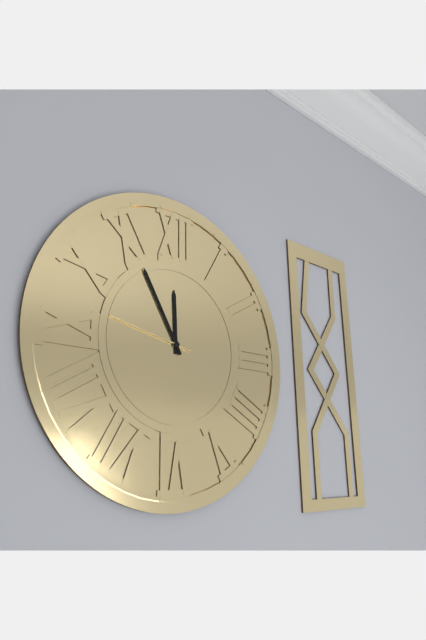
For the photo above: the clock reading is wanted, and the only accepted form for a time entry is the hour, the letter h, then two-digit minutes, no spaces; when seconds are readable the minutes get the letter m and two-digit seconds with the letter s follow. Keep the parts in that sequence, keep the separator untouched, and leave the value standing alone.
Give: 11h55m47s
